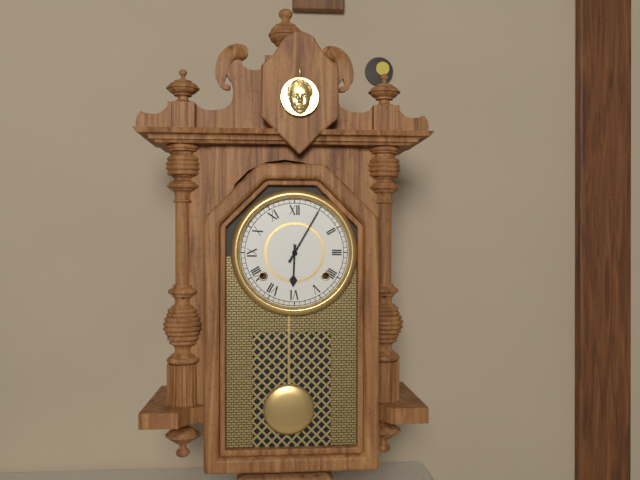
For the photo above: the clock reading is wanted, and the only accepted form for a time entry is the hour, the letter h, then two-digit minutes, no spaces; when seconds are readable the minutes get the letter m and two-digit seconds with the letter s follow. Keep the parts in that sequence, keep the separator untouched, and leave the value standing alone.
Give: 6h05
